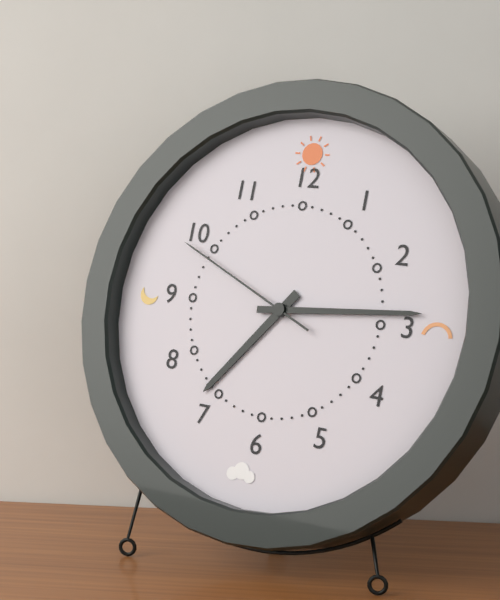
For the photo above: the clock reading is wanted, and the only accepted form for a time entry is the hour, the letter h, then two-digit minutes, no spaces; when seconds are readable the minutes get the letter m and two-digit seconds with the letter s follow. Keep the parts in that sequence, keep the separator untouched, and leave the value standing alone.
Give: 7h14m49s
